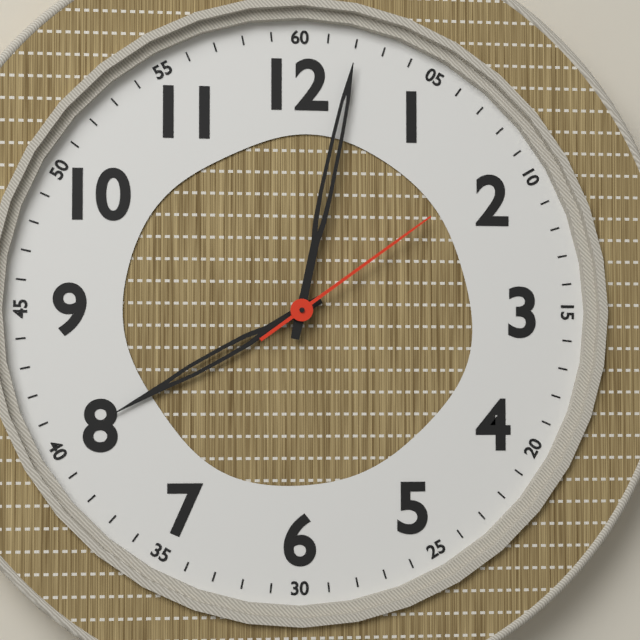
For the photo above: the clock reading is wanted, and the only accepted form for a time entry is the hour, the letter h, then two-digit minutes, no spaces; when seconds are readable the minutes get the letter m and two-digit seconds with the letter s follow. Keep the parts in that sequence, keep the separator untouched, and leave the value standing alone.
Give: 8h02m09s
